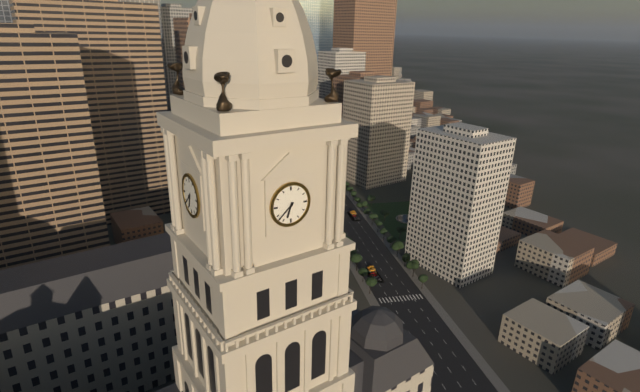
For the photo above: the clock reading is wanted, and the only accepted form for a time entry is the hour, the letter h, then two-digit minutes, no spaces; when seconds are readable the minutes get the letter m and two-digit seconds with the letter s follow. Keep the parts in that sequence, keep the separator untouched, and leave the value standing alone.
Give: 6h38
